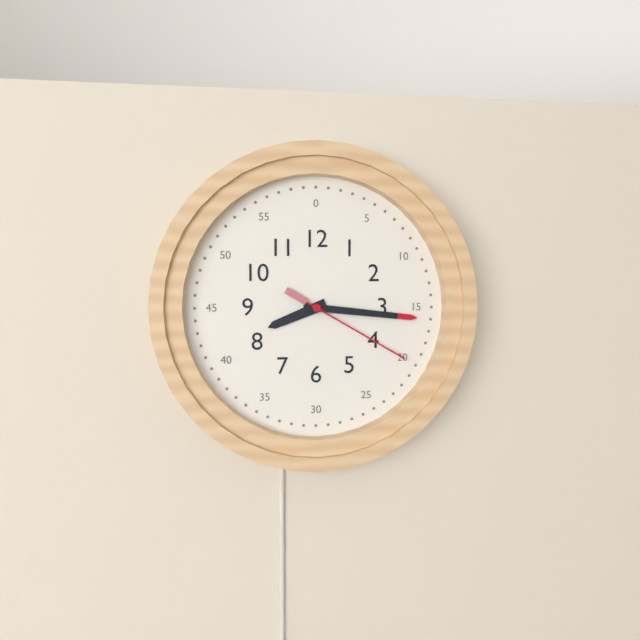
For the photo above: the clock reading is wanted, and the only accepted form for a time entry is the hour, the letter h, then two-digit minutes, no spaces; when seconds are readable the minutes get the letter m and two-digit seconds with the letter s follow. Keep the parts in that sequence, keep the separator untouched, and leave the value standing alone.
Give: 8h16m20s
